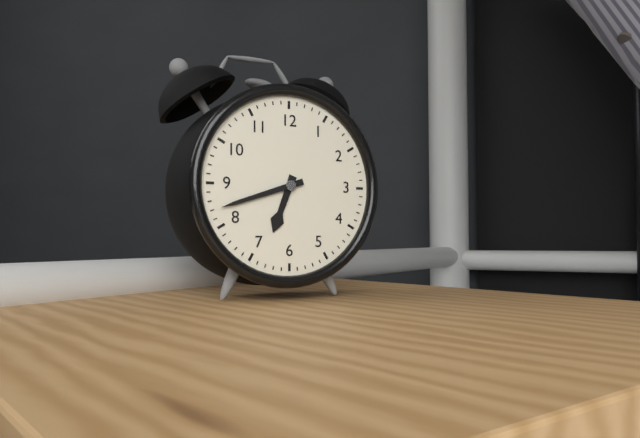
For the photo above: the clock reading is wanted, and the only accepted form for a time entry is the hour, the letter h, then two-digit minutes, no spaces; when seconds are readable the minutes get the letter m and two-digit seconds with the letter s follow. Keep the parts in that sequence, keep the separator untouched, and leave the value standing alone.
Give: 6h42
